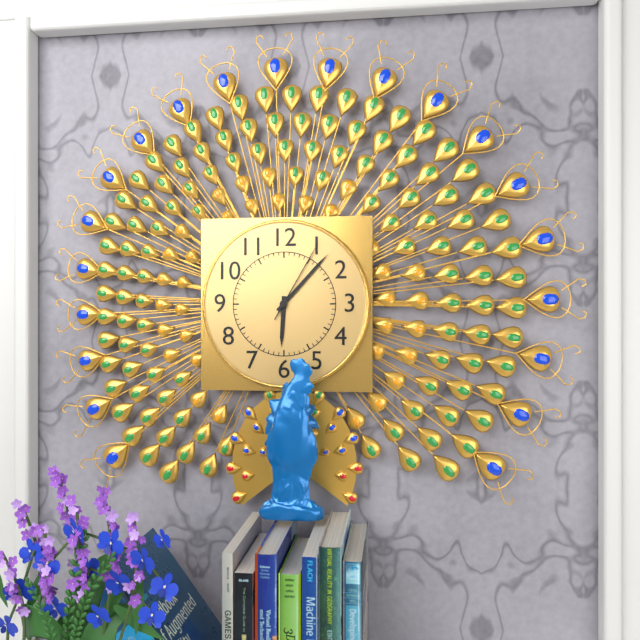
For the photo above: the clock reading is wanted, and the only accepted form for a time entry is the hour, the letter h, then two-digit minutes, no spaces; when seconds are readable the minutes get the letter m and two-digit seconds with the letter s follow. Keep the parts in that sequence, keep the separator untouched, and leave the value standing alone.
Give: 6h07m05s
